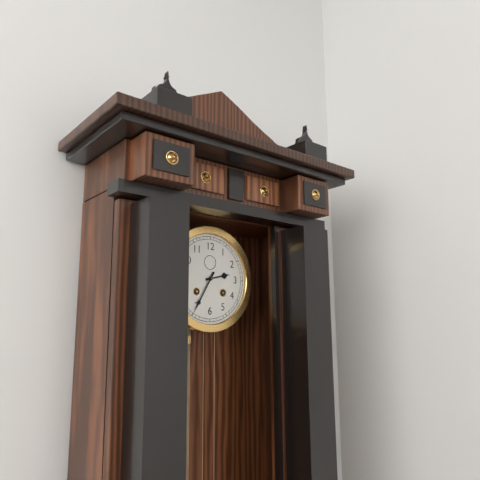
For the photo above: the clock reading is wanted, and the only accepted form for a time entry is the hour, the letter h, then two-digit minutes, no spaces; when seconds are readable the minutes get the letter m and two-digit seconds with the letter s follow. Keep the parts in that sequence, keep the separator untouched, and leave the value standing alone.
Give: 2h35
